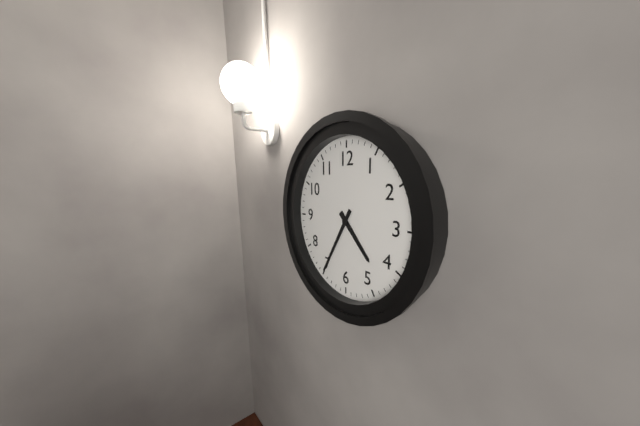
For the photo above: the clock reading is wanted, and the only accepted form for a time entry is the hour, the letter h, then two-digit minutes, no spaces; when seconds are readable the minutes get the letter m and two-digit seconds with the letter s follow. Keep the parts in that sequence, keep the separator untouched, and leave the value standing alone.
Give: 4h35
